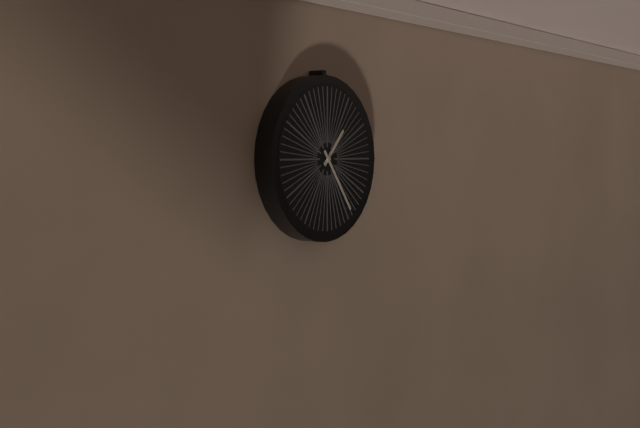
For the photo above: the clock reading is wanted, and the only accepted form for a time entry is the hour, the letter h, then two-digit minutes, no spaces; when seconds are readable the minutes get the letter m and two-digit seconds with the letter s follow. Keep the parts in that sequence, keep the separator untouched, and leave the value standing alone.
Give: 1h24
